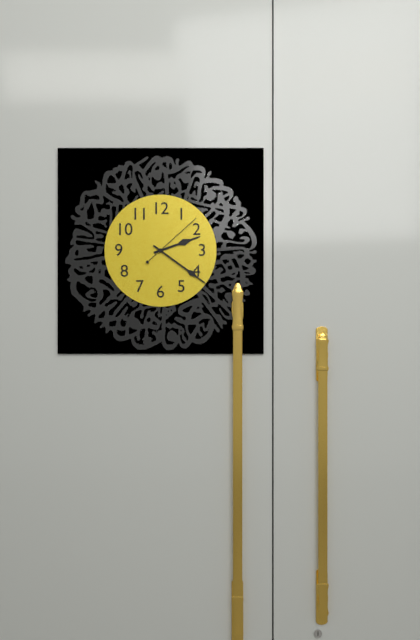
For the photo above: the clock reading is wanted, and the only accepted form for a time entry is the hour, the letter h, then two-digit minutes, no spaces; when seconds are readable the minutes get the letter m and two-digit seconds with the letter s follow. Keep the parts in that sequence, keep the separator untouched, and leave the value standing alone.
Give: 2h21m08s
